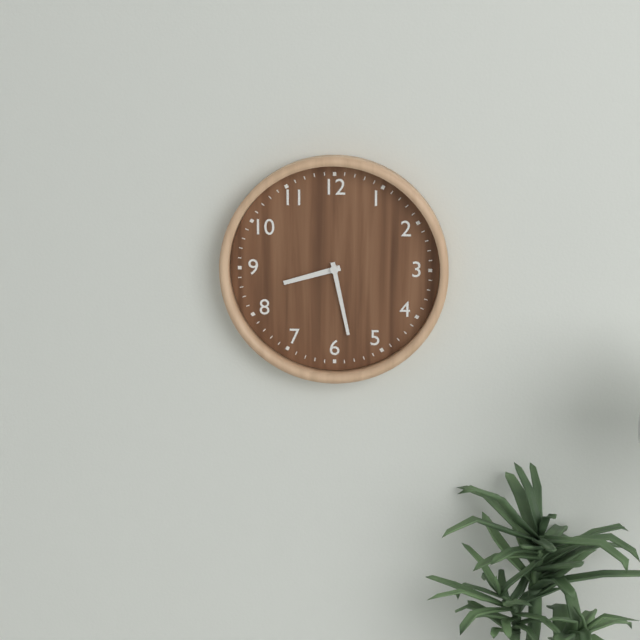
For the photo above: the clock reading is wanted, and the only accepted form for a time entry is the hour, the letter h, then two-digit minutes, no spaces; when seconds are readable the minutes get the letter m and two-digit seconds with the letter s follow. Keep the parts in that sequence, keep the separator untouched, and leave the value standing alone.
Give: 8h28
